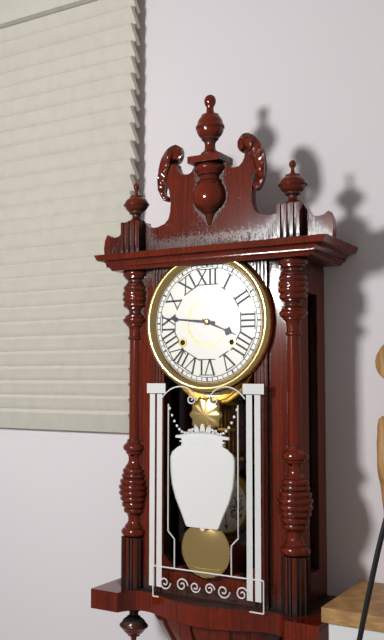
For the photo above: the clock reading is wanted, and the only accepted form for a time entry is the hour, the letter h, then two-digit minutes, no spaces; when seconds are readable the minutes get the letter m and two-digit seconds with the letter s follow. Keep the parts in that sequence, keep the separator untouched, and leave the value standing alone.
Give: 3h46
